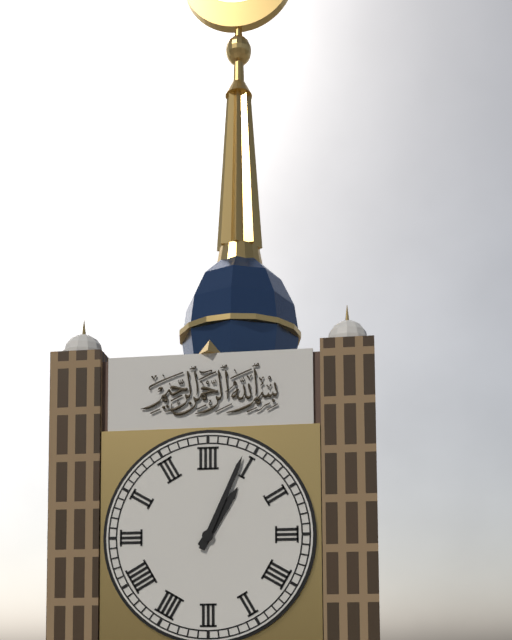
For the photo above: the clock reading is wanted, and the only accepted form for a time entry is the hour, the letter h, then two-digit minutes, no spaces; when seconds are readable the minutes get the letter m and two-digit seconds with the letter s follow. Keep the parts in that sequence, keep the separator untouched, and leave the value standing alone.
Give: 1h04
